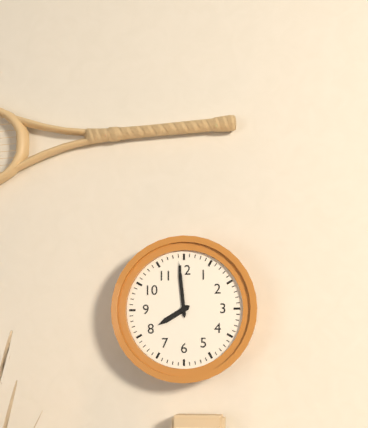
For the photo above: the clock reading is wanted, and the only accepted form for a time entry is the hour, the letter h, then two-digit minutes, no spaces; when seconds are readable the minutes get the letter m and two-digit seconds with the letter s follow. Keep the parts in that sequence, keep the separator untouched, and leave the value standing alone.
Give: 7h59
